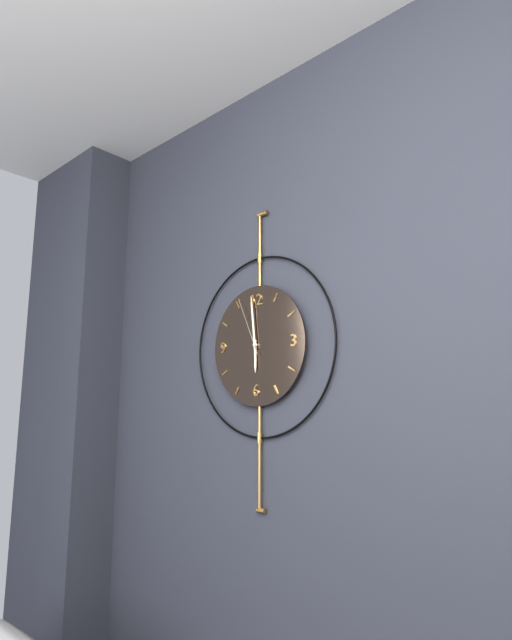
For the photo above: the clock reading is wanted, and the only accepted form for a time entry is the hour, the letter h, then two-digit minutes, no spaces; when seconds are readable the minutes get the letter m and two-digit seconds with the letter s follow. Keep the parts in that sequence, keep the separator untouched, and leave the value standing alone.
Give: 5h59m56s
